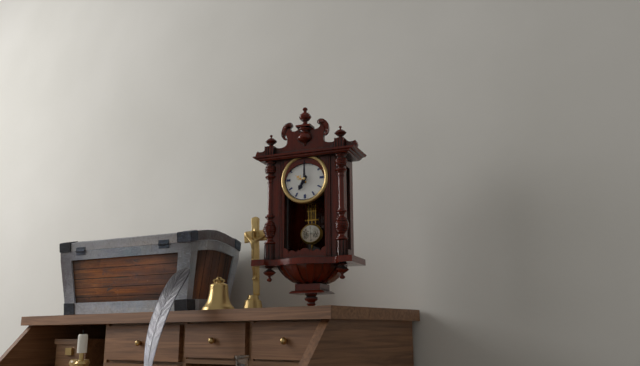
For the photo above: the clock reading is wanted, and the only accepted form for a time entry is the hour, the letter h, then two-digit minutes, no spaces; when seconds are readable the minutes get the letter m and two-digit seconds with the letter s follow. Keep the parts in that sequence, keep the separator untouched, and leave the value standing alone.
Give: 7h00
